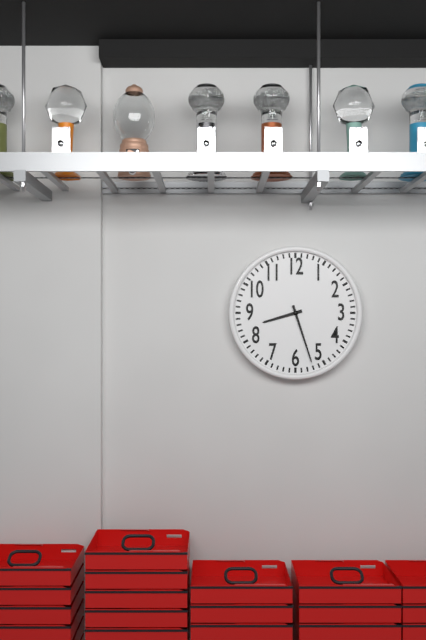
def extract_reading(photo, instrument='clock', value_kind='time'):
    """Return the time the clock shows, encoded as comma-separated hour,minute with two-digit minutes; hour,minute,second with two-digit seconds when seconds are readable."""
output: 8,27
